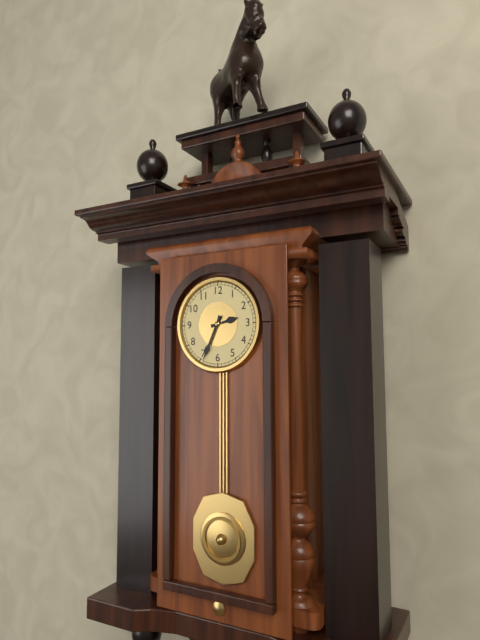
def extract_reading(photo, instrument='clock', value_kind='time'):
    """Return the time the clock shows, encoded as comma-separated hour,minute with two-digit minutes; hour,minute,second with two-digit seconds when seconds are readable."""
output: 2,34
